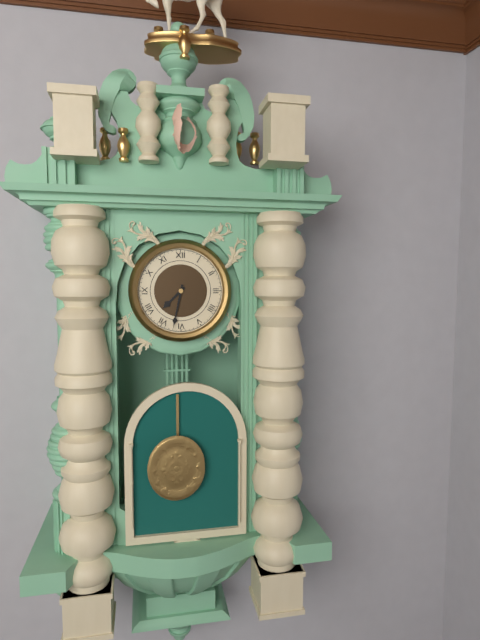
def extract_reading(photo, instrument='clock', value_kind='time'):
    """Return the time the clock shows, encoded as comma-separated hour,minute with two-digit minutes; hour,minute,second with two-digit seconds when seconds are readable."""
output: 7,32
